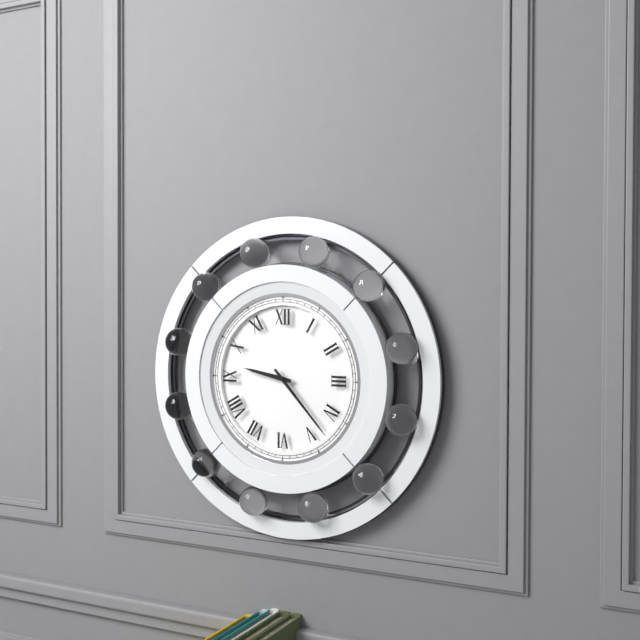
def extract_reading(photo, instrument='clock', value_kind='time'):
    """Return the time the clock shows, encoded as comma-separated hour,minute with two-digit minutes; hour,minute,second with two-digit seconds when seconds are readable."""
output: 9,23
